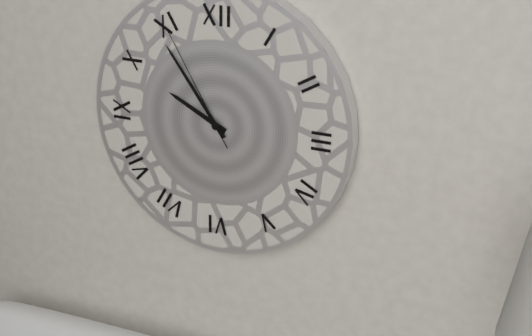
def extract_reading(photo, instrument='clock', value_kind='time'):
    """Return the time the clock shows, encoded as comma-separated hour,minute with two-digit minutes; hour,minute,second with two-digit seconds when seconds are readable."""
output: 9,54,55
